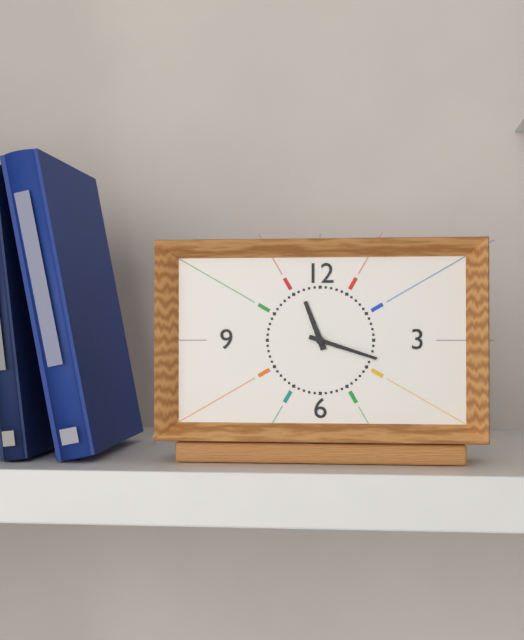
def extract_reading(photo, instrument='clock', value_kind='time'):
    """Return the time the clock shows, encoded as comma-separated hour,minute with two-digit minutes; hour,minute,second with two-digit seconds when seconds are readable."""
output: 11,18
